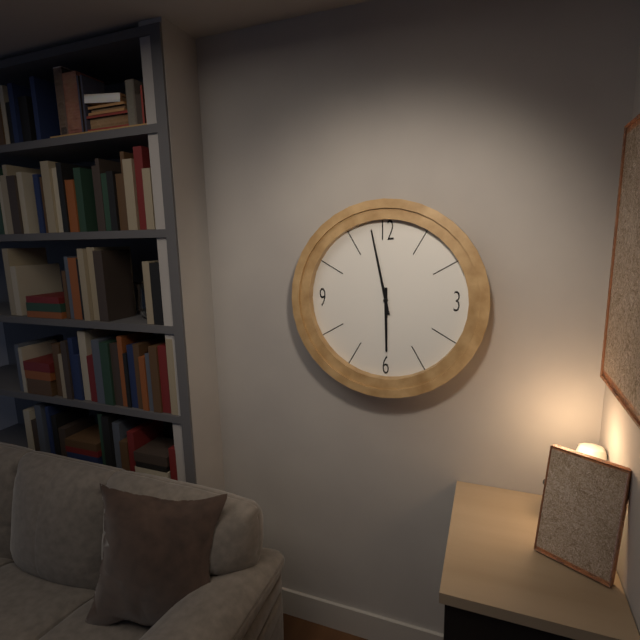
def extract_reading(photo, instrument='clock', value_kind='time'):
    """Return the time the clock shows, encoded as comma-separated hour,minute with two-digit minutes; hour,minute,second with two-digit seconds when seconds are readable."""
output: 5,58
